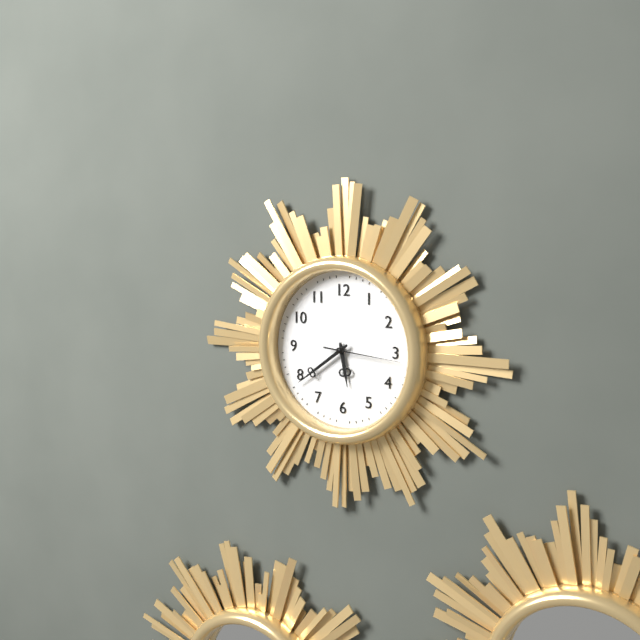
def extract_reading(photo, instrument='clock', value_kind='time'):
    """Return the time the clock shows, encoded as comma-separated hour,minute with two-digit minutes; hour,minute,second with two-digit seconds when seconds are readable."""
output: 5,39,16
